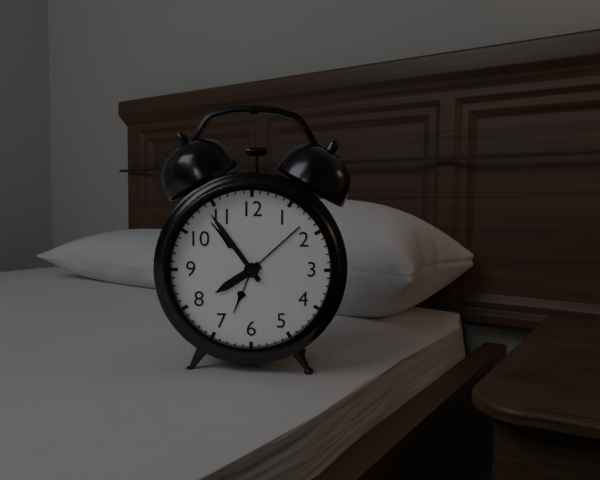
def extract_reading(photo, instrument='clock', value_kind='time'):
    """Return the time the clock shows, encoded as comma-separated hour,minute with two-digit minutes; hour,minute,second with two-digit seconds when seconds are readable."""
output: 7,54
